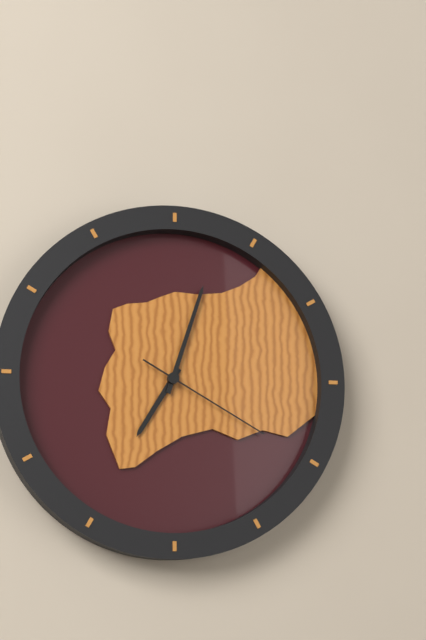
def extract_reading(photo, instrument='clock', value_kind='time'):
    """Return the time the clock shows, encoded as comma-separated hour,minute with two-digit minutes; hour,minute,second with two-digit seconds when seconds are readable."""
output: 7,03,20
